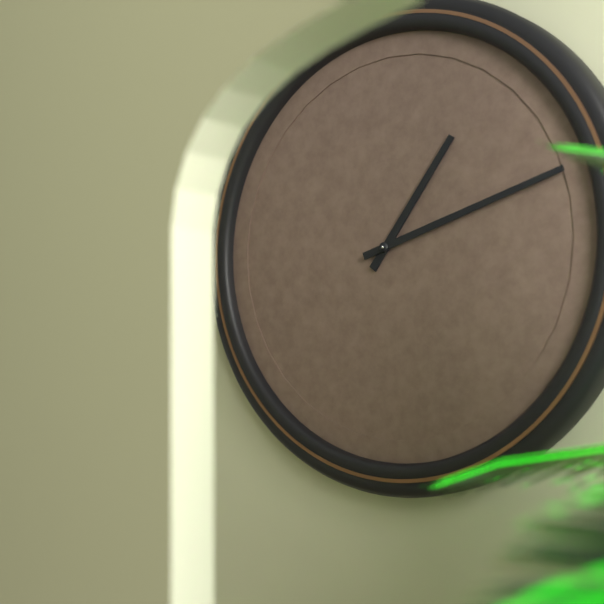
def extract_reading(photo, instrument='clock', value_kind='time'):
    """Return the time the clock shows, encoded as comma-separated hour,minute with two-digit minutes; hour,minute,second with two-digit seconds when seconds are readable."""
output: 1,12
